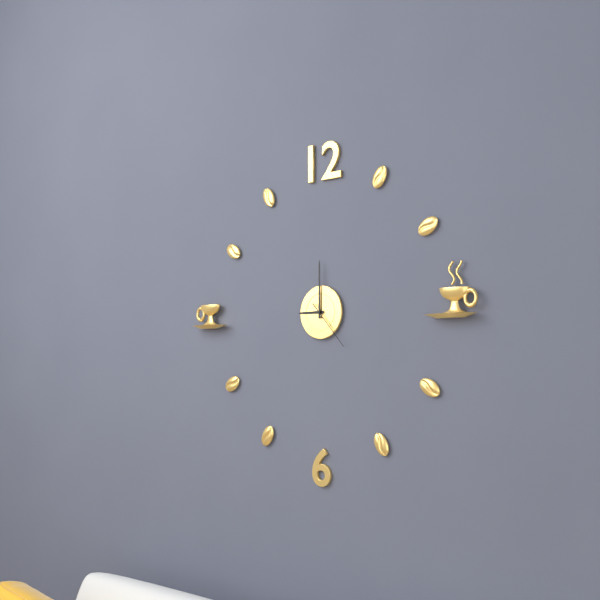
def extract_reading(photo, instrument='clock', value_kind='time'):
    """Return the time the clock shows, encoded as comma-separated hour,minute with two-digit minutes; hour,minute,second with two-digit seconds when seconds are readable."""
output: 9,00,23
